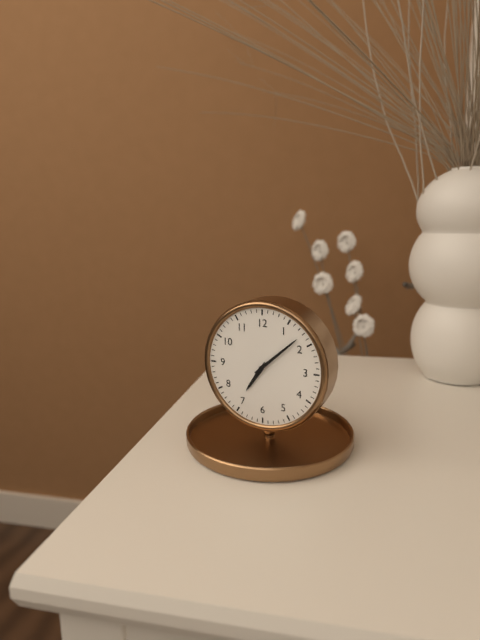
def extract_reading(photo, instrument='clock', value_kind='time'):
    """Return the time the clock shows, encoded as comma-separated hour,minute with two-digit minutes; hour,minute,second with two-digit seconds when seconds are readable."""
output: 7,08
